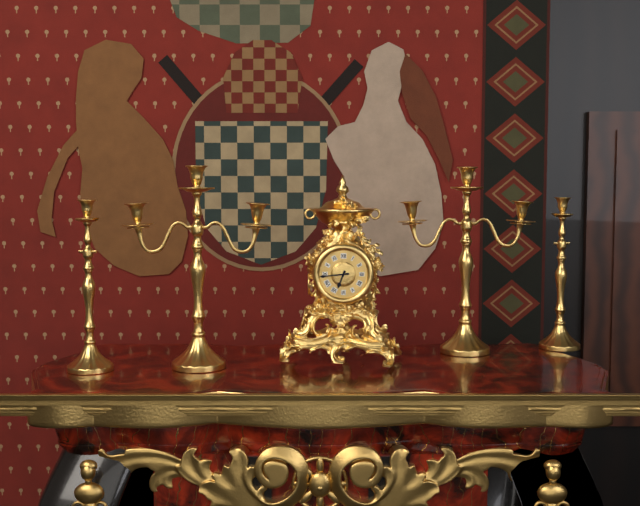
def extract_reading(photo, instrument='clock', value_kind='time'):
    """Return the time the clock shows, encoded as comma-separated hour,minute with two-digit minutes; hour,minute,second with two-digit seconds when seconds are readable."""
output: 6,44
